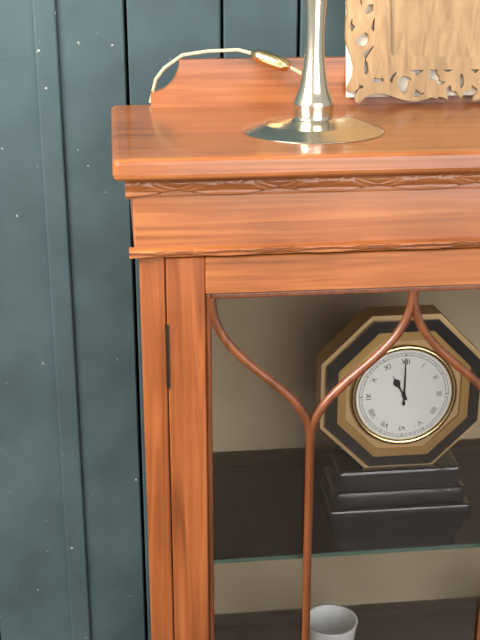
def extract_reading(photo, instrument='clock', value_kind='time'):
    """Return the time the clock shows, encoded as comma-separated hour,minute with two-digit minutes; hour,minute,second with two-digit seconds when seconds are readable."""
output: 11,00
